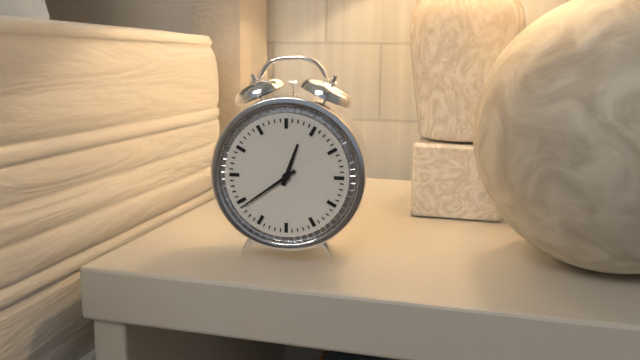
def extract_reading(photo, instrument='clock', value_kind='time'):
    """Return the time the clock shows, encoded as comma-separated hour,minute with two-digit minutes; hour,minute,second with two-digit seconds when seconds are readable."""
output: 12,39
